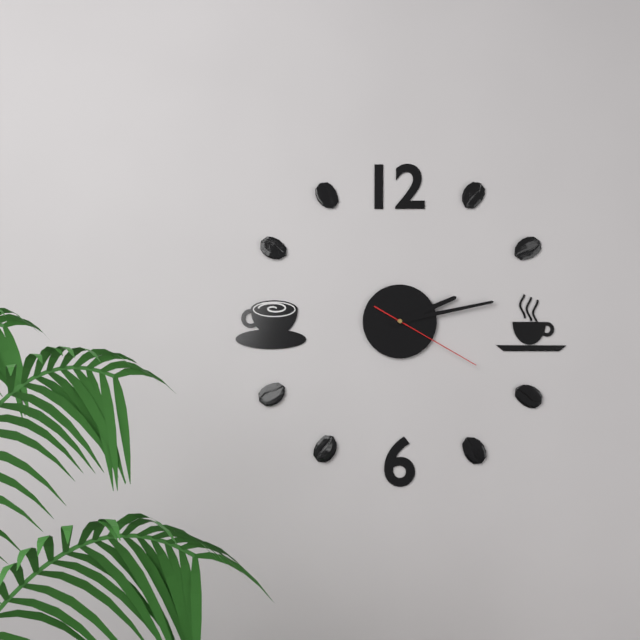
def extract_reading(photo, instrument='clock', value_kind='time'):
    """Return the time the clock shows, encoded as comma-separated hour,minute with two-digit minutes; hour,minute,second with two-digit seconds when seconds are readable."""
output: 2,13,20
